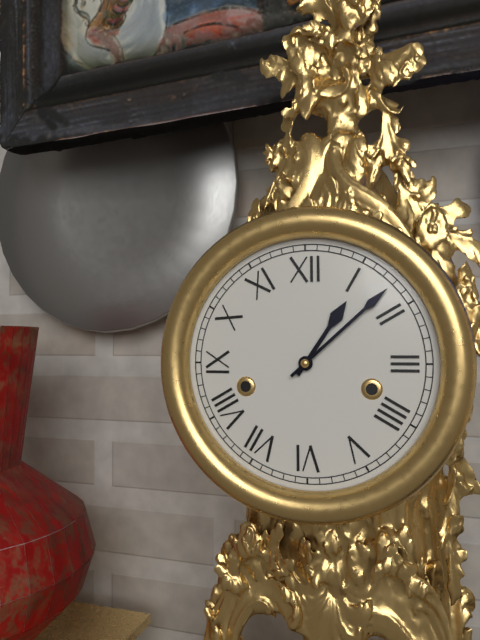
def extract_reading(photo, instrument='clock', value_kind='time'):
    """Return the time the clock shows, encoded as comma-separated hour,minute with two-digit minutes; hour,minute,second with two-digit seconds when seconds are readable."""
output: 1,08
